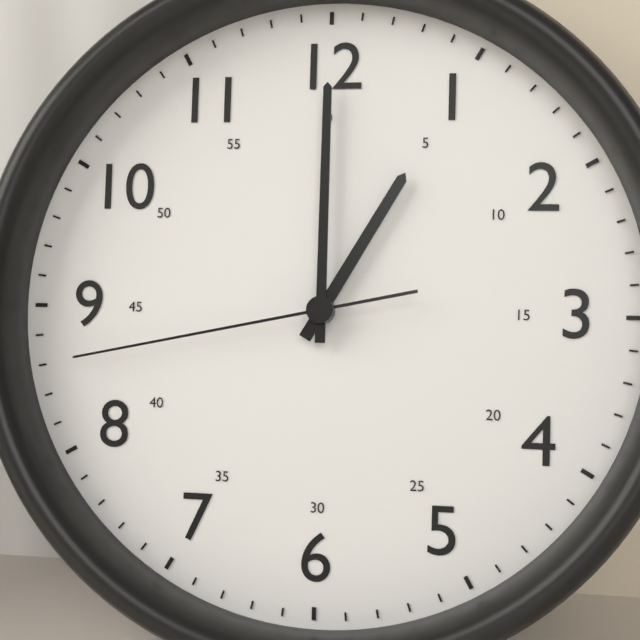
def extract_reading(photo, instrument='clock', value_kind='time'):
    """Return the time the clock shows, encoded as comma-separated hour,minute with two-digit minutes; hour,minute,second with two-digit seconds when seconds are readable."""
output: 1,00,43
